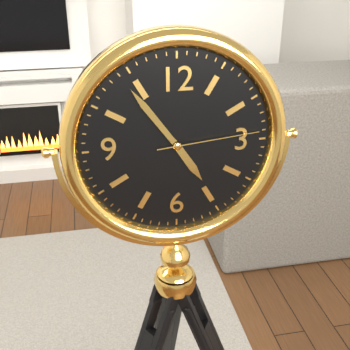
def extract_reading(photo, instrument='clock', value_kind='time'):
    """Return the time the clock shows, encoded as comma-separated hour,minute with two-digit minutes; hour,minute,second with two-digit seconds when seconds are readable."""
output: 4,54,14
